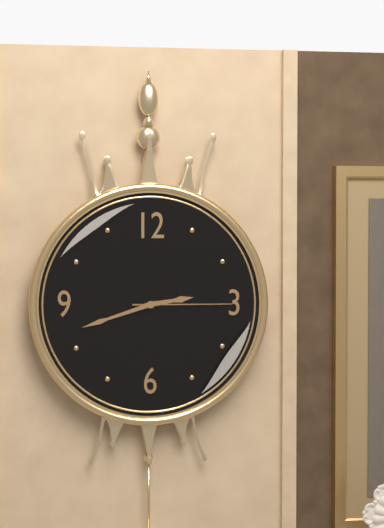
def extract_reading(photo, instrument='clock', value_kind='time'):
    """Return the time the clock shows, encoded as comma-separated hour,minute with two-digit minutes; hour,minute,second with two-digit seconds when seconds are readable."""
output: 2,42,15
